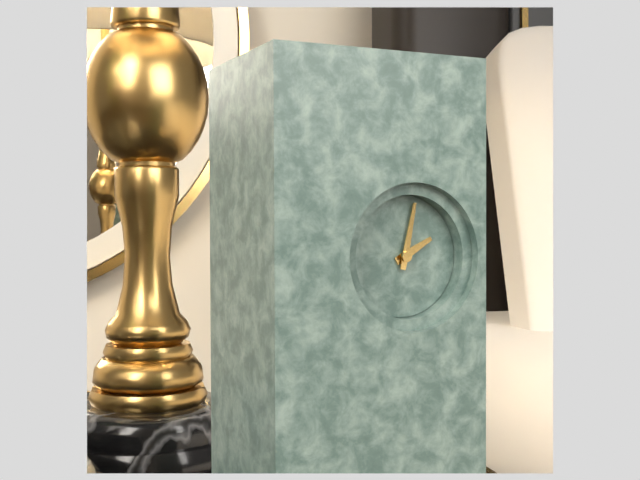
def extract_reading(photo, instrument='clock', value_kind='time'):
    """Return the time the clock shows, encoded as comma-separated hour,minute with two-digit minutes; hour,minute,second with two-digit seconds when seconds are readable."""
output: 2,02
